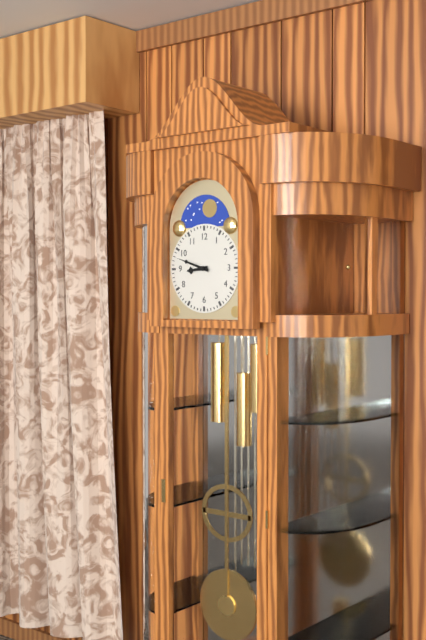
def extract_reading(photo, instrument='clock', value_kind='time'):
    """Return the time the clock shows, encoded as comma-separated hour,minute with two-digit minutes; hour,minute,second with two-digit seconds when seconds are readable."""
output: 8,48
